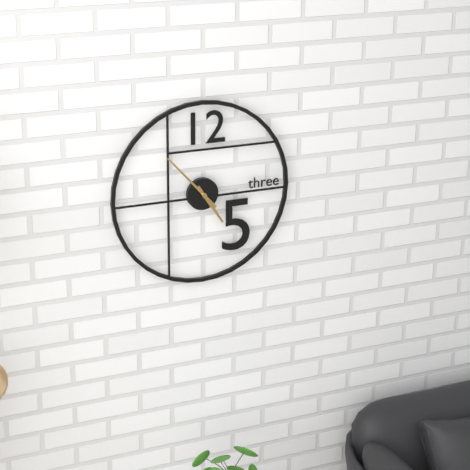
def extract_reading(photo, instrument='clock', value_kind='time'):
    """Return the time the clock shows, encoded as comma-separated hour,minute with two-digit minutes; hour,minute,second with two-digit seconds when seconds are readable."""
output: 4,53
